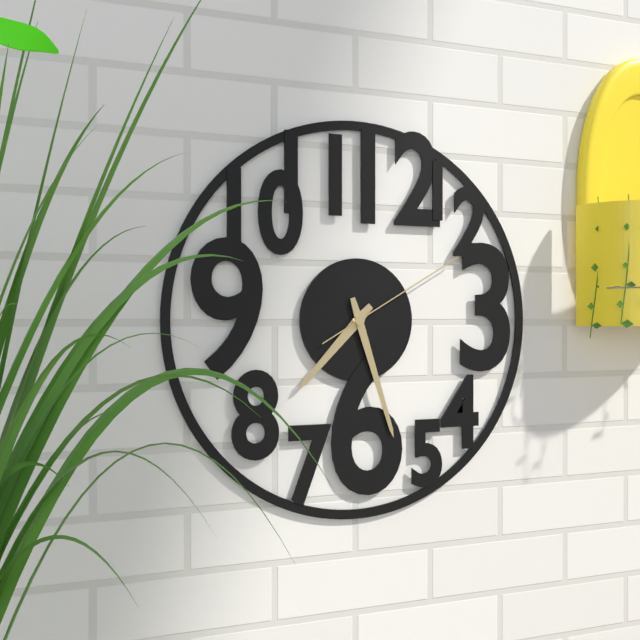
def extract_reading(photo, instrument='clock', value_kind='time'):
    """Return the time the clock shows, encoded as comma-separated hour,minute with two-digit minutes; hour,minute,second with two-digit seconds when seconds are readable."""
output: 7,27,10
